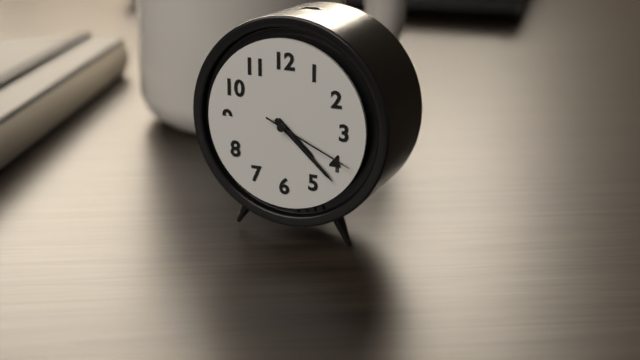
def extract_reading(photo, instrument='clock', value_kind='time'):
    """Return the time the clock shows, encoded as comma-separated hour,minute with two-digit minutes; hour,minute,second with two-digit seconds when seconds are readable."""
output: 4,22,19
